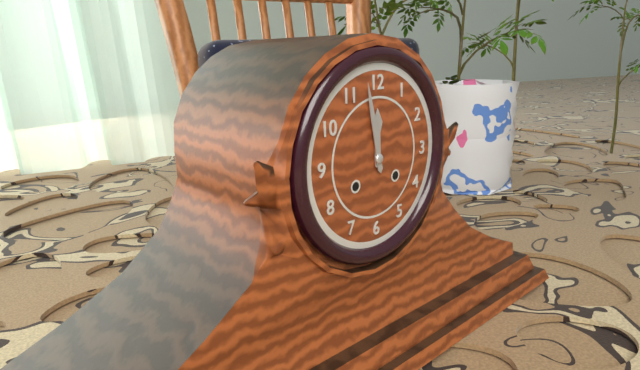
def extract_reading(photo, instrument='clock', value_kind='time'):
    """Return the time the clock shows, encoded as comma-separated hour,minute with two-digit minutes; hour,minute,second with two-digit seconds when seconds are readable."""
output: 11,58
